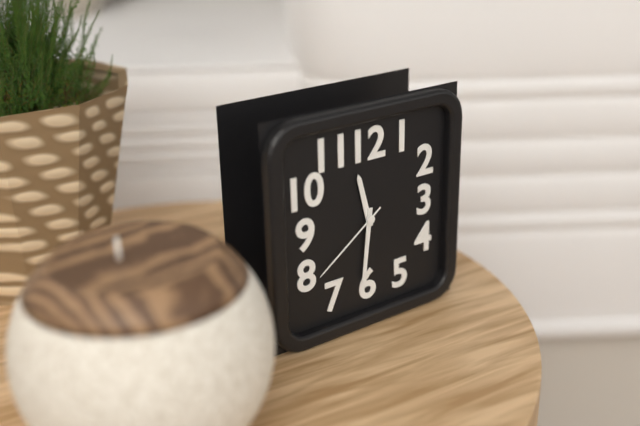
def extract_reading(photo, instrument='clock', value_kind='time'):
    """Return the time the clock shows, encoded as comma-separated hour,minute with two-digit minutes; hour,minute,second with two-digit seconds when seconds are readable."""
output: 11,31,39
